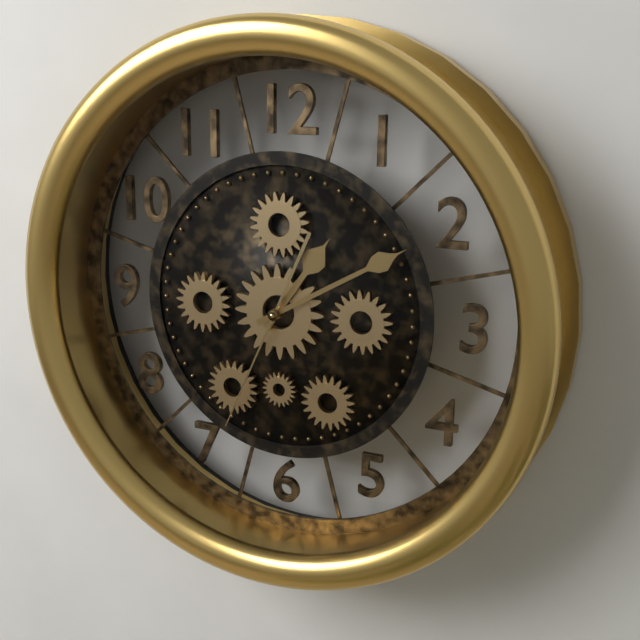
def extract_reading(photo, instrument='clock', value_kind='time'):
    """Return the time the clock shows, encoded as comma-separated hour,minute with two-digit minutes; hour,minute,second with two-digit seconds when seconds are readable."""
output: 1,10,34
